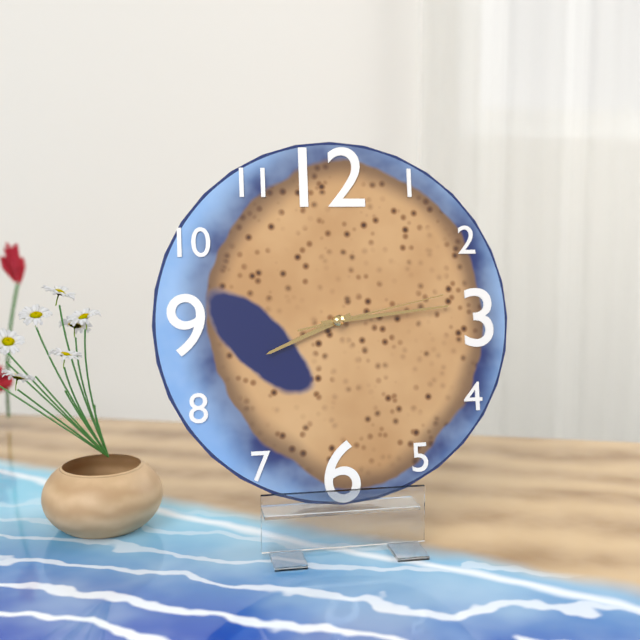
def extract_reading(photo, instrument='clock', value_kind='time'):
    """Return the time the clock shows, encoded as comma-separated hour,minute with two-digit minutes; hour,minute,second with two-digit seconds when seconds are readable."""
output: 8,14,13
